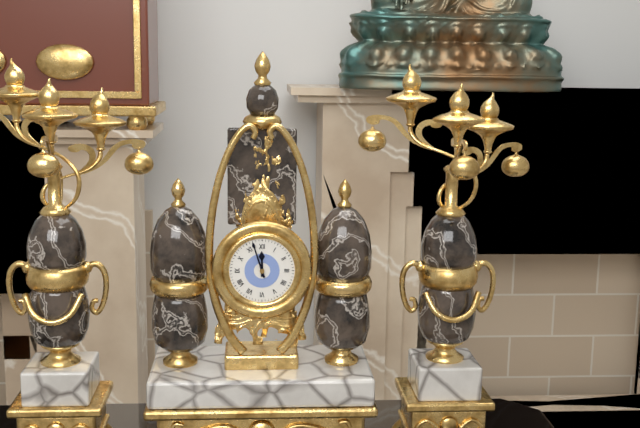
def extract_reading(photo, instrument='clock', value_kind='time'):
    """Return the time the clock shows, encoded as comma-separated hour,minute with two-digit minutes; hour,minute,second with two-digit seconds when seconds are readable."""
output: 11,57
